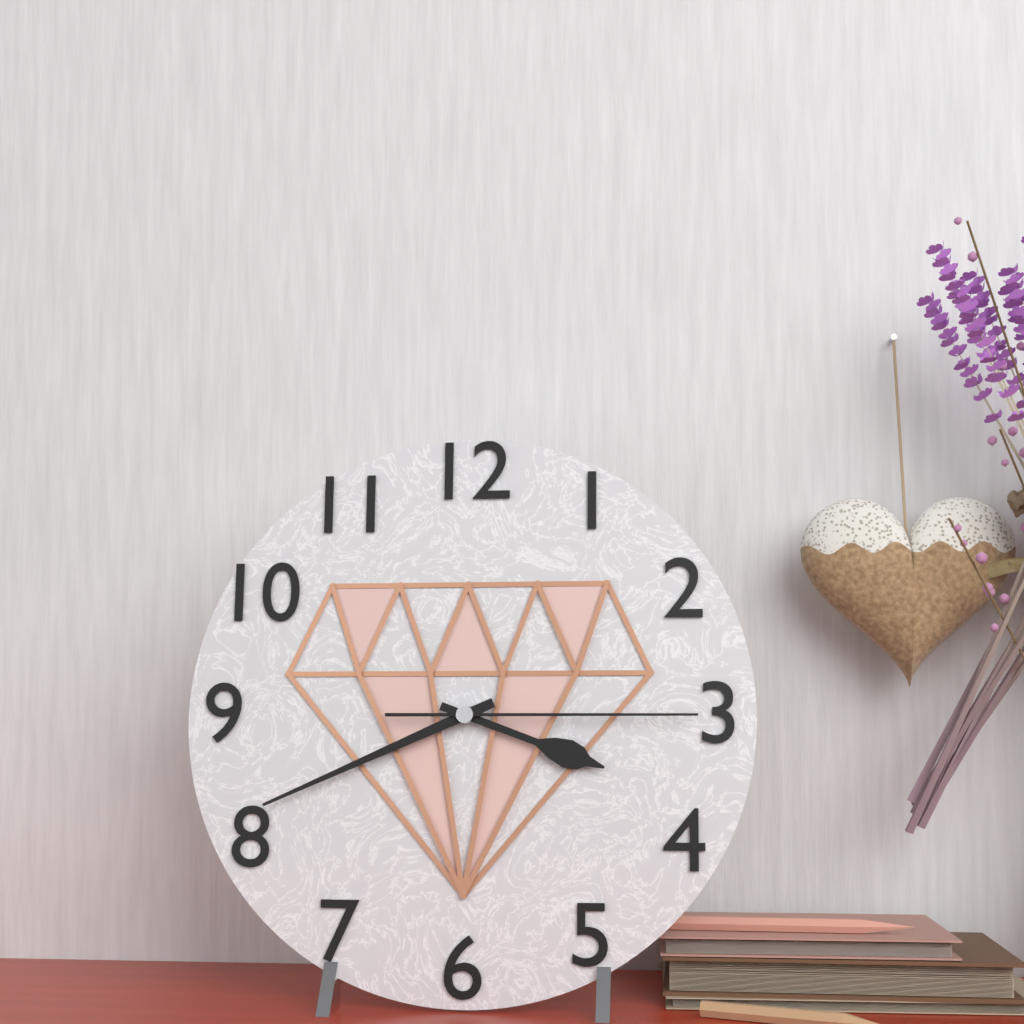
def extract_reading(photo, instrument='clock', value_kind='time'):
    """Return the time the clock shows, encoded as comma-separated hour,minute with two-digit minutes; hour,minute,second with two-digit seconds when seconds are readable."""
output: 3,41,15
